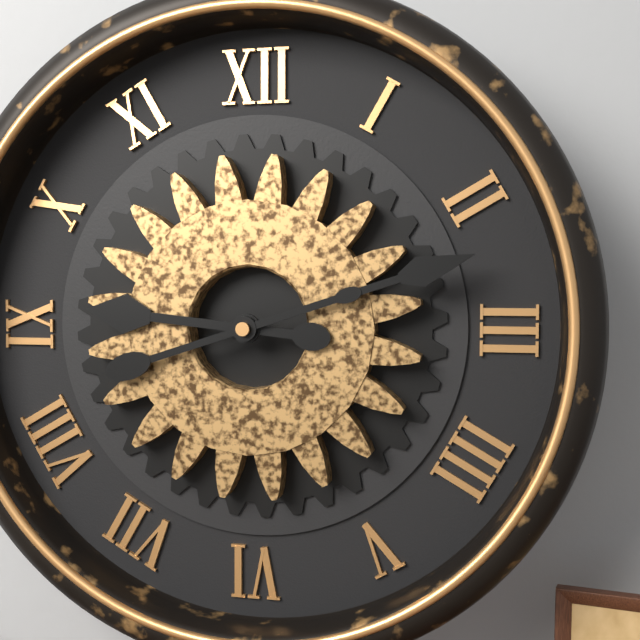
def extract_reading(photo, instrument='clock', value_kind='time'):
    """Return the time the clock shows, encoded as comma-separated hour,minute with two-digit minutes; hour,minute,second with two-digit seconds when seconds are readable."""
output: 9,12
